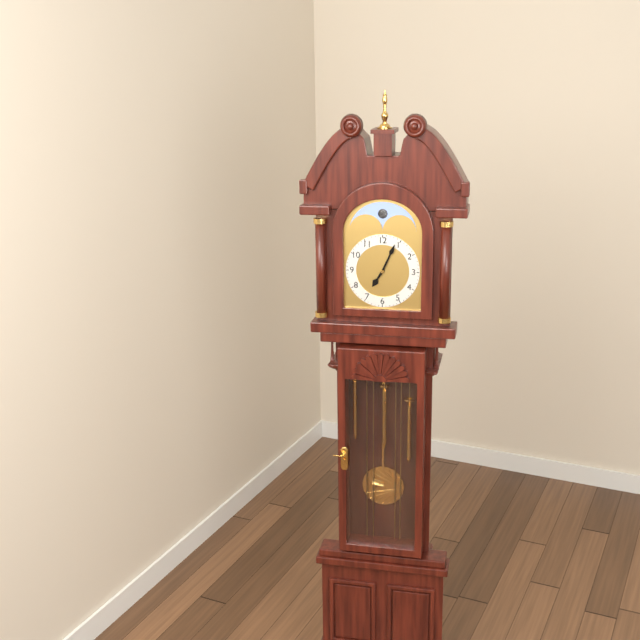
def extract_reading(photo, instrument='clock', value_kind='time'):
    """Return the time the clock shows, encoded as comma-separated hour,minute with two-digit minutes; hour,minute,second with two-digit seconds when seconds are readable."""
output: 7,04
